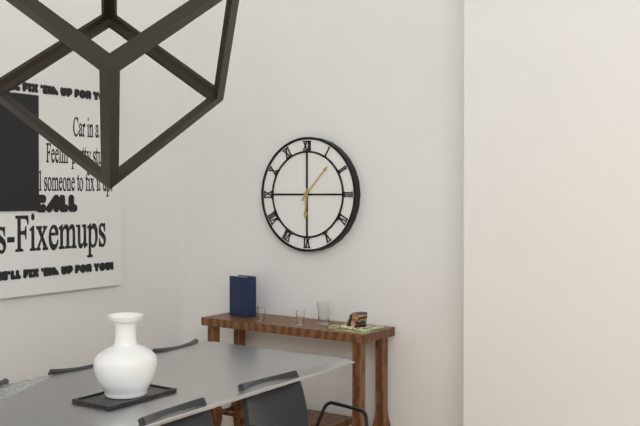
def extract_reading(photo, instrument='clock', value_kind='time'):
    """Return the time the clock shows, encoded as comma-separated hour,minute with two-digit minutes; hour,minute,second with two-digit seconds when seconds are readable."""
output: 6,07
